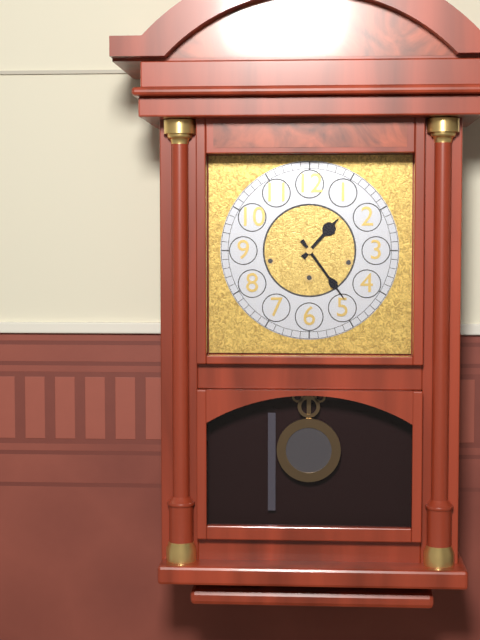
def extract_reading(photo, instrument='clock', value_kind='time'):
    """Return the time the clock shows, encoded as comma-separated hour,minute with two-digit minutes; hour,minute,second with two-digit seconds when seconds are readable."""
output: 1,24
